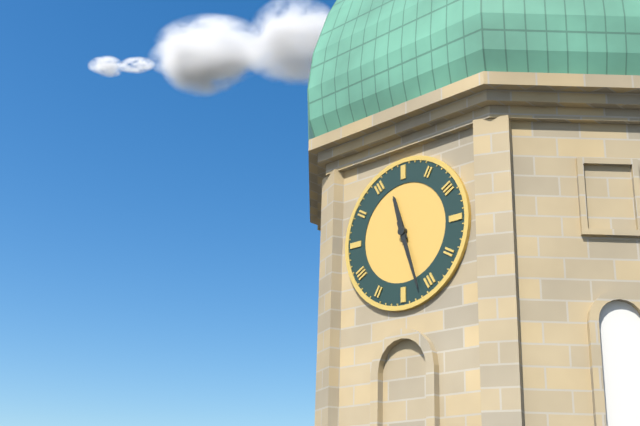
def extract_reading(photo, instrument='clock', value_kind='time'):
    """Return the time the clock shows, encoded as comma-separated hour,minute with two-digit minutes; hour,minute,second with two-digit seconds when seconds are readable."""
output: 11,27
